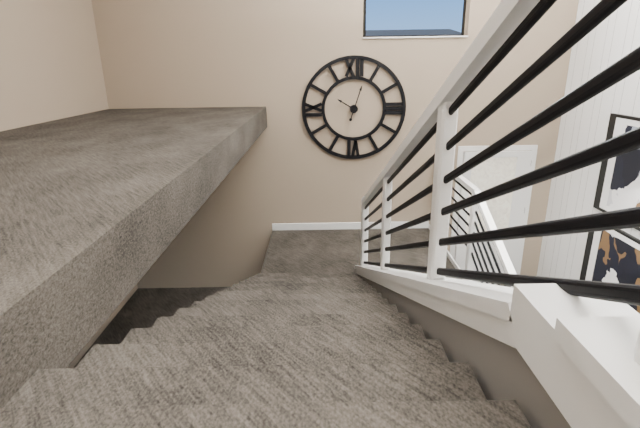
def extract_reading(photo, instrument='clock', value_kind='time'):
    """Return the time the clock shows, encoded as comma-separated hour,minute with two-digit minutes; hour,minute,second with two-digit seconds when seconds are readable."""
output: 10,03
